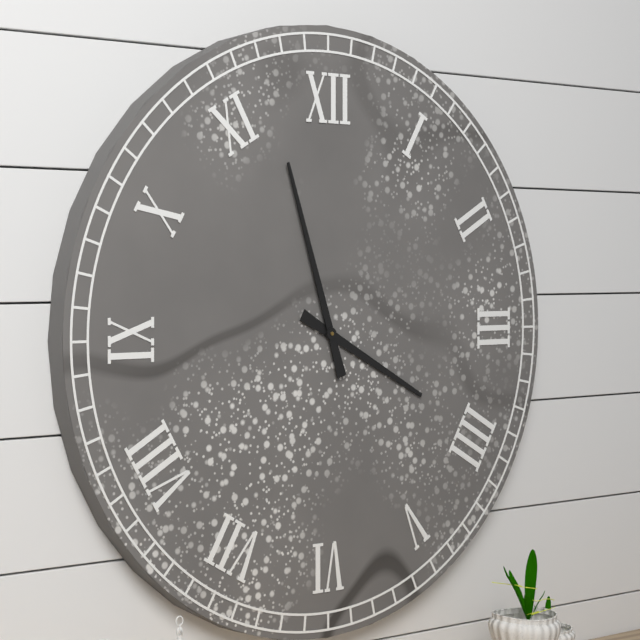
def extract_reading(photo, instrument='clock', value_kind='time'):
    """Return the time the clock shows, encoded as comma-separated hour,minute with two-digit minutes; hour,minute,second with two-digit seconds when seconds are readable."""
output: 3,57
